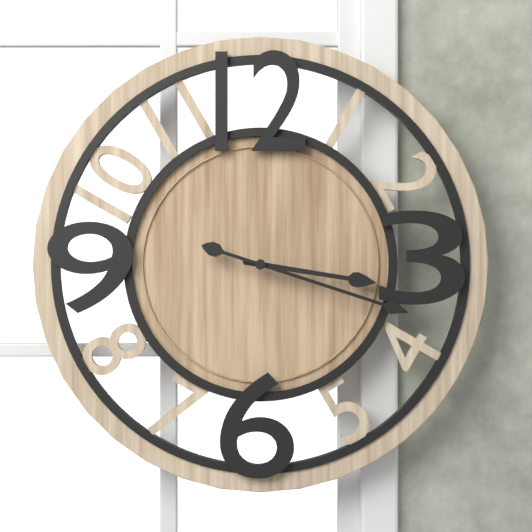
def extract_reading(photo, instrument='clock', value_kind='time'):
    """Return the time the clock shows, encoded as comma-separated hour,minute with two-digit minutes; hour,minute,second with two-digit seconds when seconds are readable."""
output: 3,18
